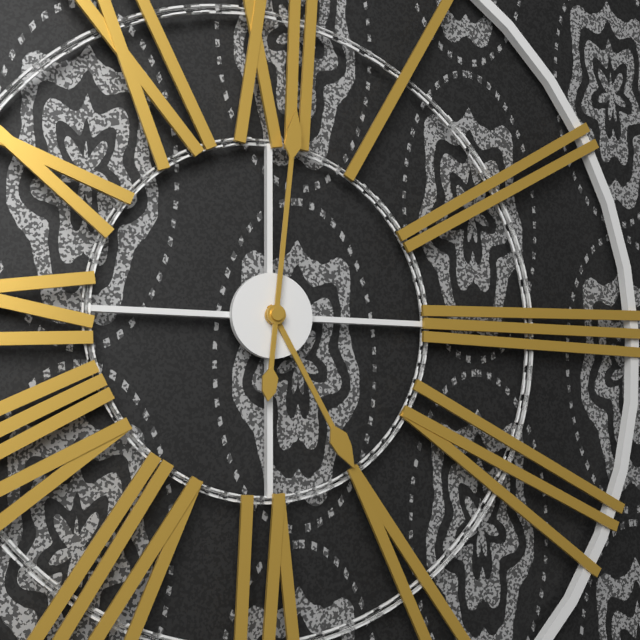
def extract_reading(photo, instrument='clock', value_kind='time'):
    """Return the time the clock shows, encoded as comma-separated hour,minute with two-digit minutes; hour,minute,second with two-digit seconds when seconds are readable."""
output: 5,01
